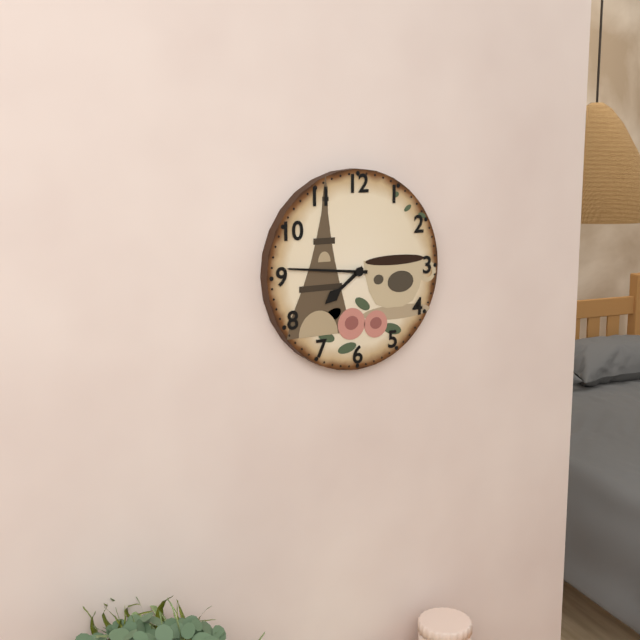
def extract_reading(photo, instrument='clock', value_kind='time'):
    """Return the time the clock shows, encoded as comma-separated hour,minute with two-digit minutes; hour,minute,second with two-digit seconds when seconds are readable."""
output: 7,46
